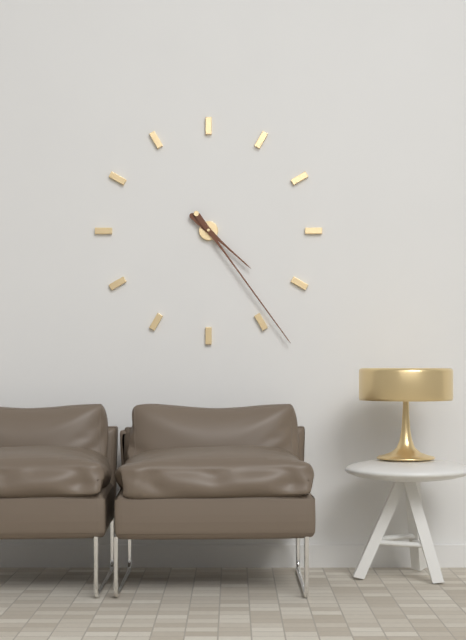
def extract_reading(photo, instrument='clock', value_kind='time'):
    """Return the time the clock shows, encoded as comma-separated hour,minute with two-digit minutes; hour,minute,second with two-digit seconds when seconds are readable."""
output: 4,24
